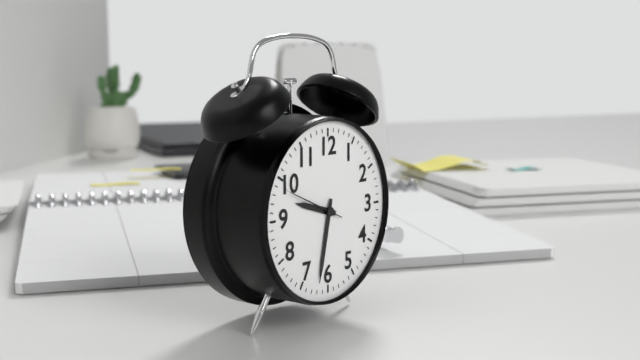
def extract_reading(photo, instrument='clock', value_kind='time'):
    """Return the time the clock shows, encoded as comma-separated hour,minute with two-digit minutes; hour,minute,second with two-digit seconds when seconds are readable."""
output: 9,32,49
